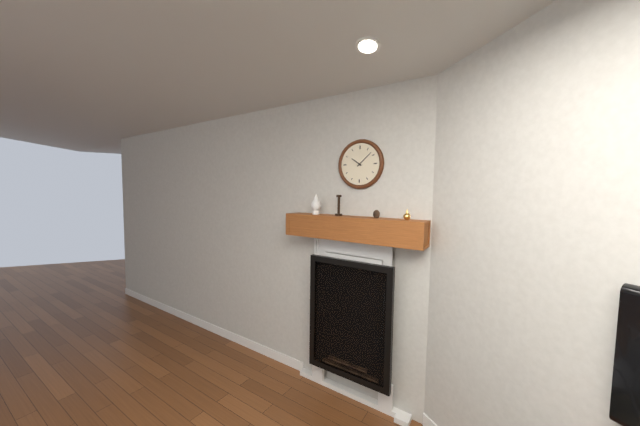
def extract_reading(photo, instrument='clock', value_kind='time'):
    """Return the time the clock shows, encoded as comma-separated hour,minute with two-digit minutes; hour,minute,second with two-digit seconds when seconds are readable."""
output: 10,08
